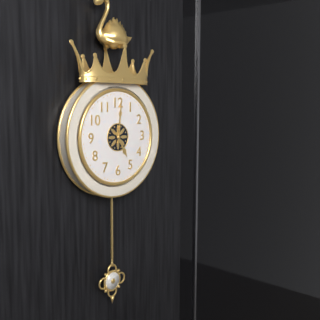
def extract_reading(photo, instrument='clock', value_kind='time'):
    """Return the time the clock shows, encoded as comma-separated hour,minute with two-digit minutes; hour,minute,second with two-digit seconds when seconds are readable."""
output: 5,01
